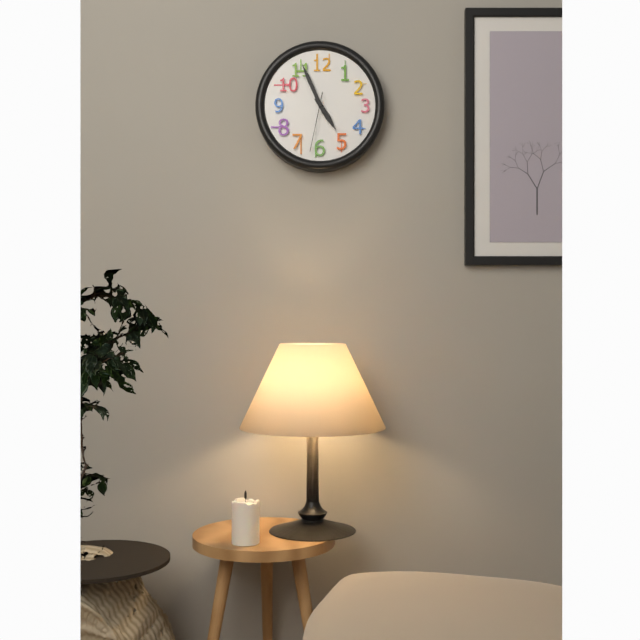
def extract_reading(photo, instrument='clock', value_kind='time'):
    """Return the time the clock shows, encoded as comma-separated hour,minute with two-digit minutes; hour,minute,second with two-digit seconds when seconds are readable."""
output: 4,56,32
